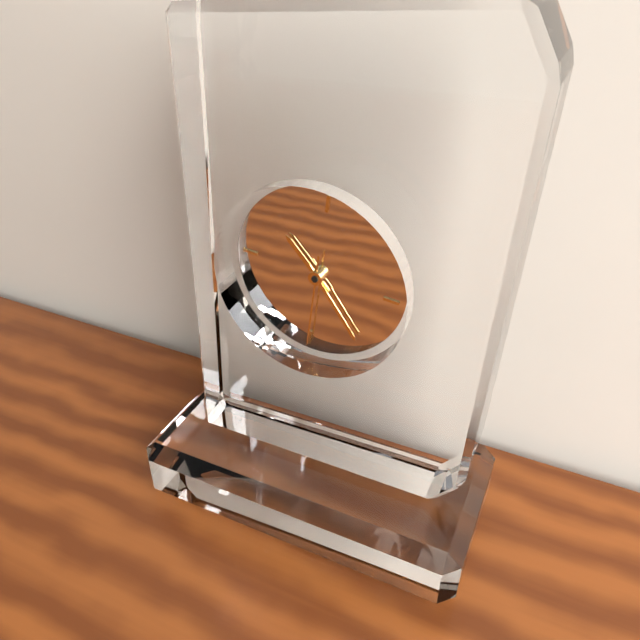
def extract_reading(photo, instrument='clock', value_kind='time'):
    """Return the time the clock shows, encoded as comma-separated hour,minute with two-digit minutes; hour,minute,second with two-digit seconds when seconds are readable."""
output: 10,23,30
